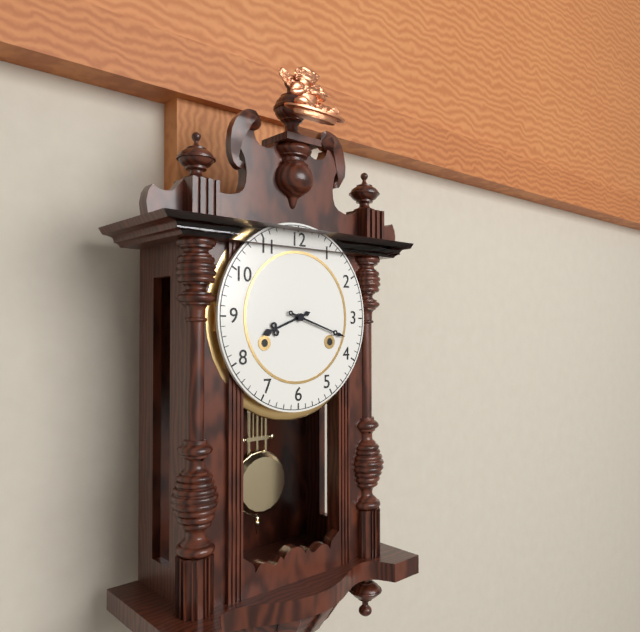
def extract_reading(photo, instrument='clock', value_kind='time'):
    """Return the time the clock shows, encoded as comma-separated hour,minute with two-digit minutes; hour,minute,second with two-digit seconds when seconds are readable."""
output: 8,18
